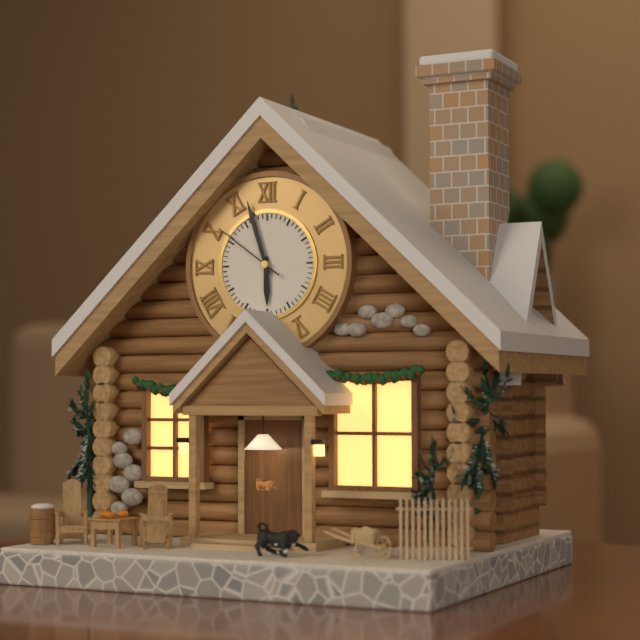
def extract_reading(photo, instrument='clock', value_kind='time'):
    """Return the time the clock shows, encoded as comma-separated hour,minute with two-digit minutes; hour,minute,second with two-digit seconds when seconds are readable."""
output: 5,57,51
